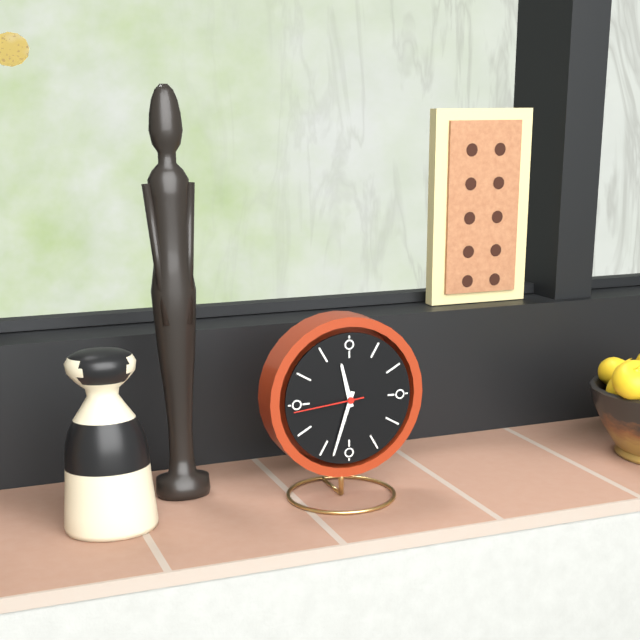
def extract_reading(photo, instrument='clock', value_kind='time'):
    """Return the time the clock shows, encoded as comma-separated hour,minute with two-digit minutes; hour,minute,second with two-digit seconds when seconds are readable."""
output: 11,33,44
